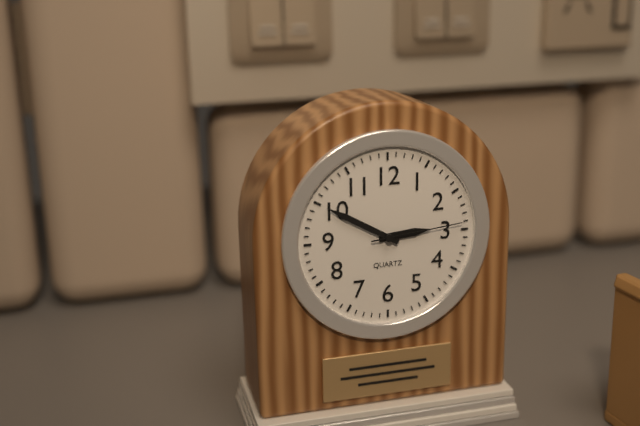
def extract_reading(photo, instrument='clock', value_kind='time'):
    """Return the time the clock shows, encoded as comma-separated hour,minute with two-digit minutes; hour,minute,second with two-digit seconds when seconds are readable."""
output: 2,50,14
